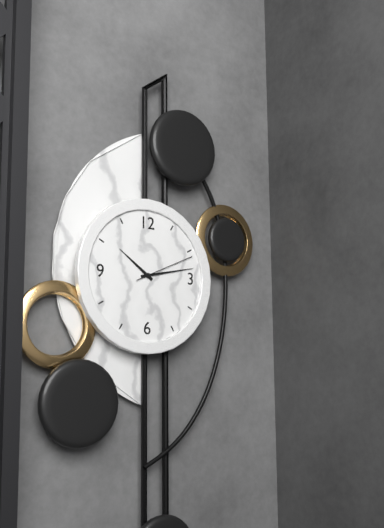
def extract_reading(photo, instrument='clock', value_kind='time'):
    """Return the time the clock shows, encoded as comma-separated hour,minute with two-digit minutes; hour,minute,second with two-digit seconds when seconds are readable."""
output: 10,13,11
